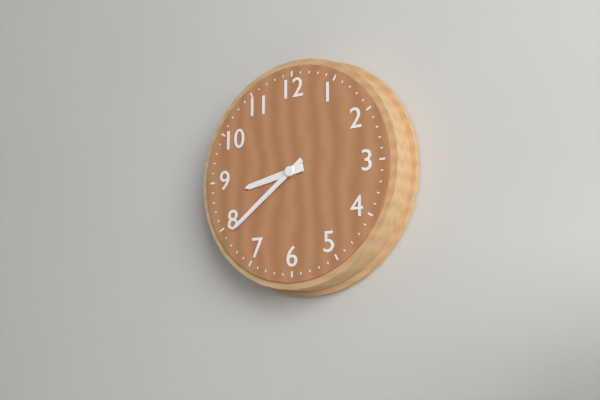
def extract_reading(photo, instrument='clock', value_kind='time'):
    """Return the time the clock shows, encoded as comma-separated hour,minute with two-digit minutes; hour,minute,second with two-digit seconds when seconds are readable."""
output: 8,39
